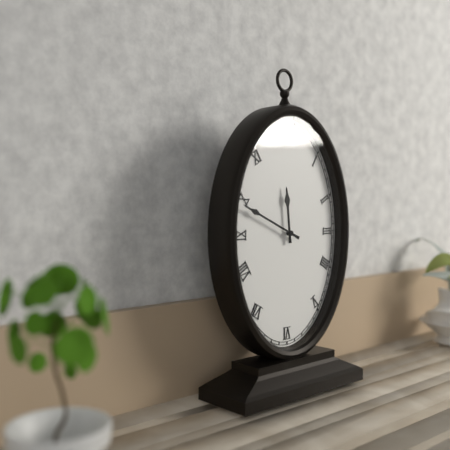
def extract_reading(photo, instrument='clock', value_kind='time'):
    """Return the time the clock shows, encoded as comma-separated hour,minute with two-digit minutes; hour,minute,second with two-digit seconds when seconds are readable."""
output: 11,49
